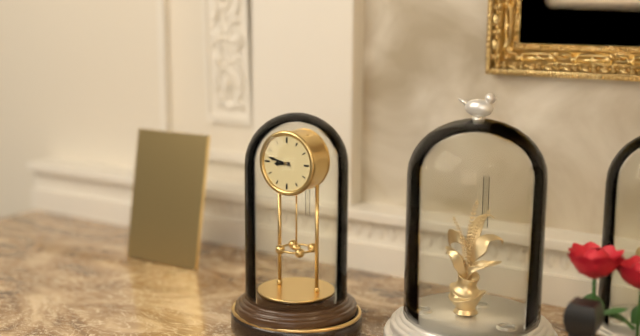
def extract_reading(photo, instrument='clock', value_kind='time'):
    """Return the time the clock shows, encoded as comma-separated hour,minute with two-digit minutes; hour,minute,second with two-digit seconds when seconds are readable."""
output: 8,47
